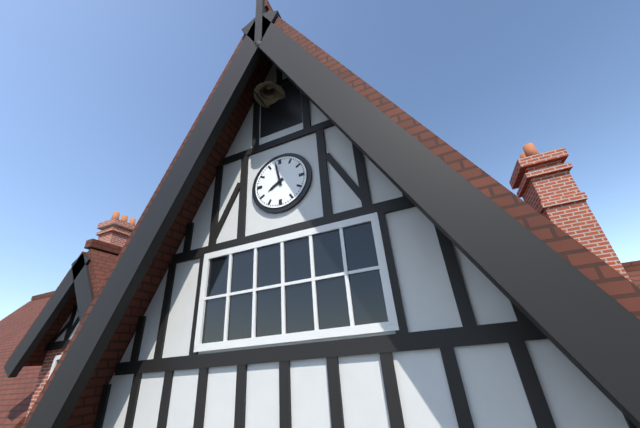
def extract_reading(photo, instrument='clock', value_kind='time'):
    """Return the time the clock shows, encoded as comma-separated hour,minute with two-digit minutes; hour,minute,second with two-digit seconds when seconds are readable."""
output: 7,58
